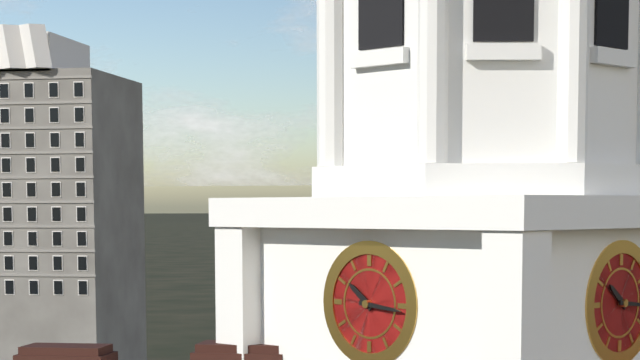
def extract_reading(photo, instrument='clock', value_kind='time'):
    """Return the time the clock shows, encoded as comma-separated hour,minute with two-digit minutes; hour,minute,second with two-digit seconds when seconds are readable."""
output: 10,16
